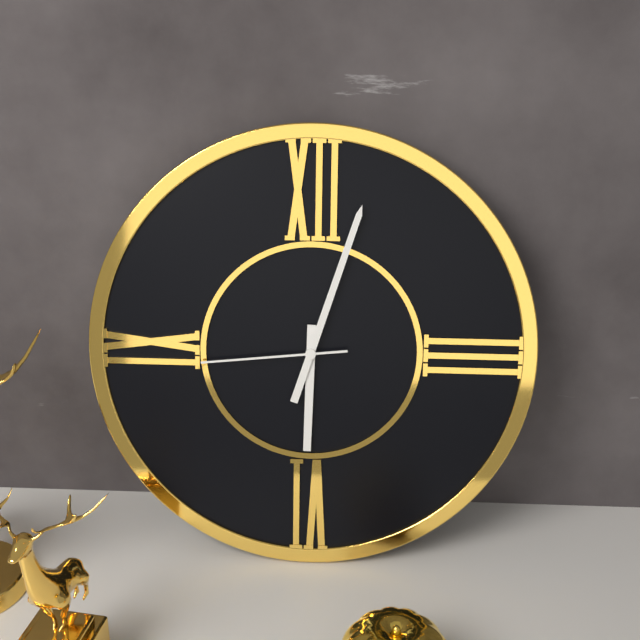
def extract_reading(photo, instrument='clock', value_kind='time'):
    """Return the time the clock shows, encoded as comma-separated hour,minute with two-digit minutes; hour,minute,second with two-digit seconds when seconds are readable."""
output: 6,03,44
